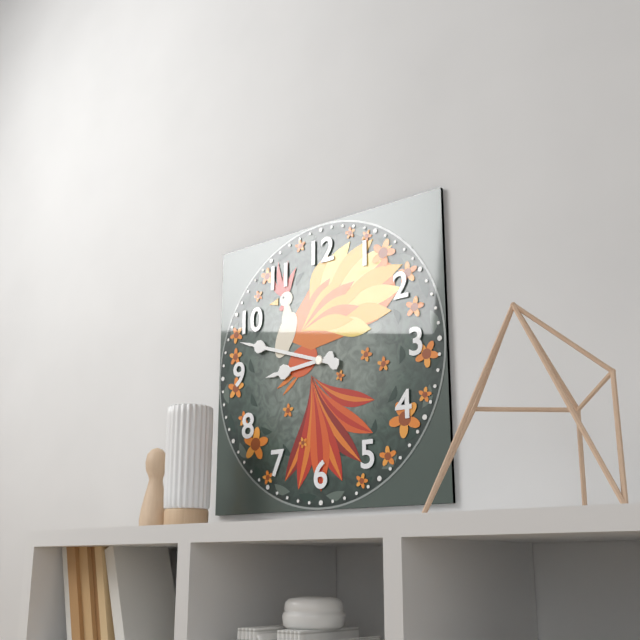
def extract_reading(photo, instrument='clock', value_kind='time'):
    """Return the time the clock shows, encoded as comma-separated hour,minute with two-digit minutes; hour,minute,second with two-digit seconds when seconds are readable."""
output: 8,48
